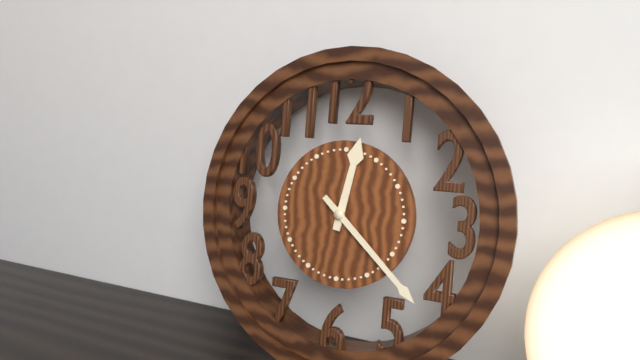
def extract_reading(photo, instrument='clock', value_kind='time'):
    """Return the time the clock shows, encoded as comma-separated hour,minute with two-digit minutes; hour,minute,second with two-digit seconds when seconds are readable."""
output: 12,22
